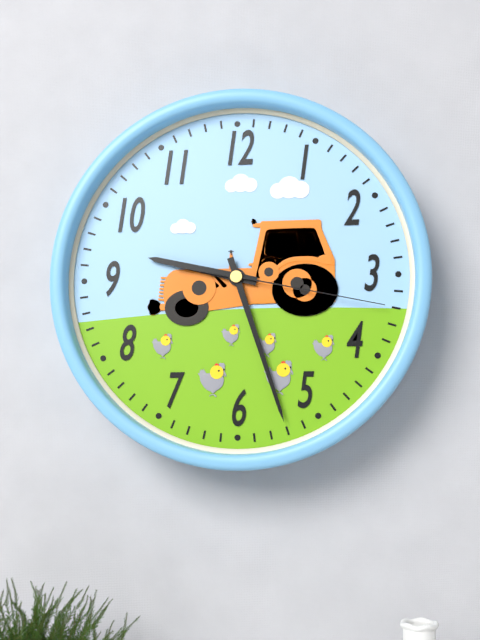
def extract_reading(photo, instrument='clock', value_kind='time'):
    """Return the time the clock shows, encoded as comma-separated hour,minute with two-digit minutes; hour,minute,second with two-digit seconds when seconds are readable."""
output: 9,27,17
